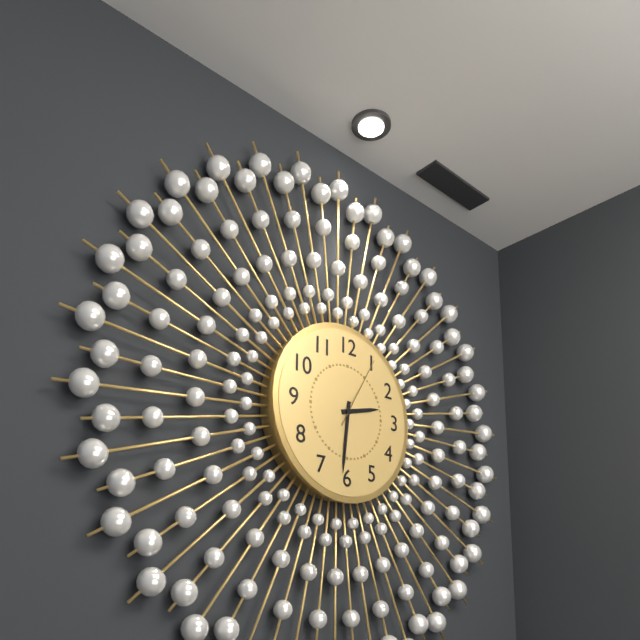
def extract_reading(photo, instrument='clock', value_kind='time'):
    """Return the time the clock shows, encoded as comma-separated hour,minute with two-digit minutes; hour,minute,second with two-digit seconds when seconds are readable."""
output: 2,31,05
